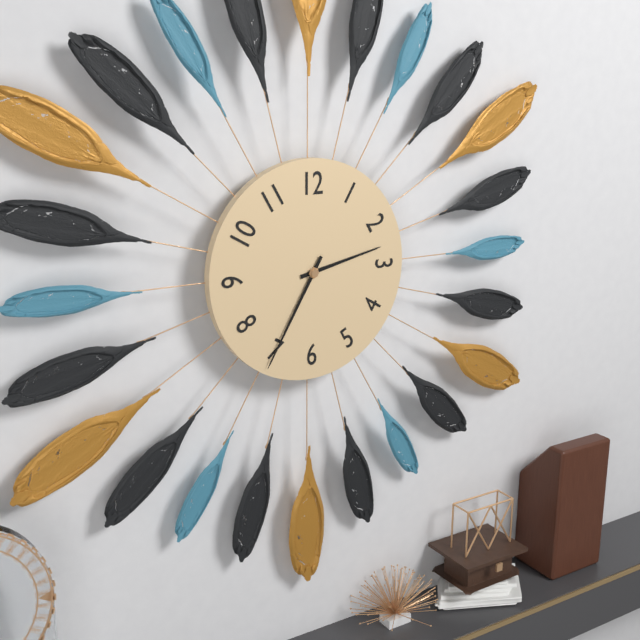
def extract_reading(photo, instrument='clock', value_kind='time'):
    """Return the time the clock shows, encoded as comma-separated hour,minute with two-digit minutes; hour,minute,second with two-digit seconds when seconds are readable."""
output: 2,35
